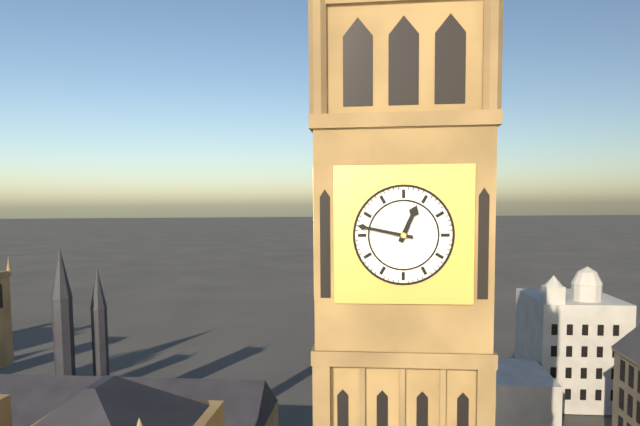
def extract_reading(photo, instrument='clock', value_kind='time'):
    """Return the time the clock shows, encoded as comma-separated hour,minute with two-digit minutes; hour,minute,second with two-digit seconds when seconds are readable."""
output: 12,47
